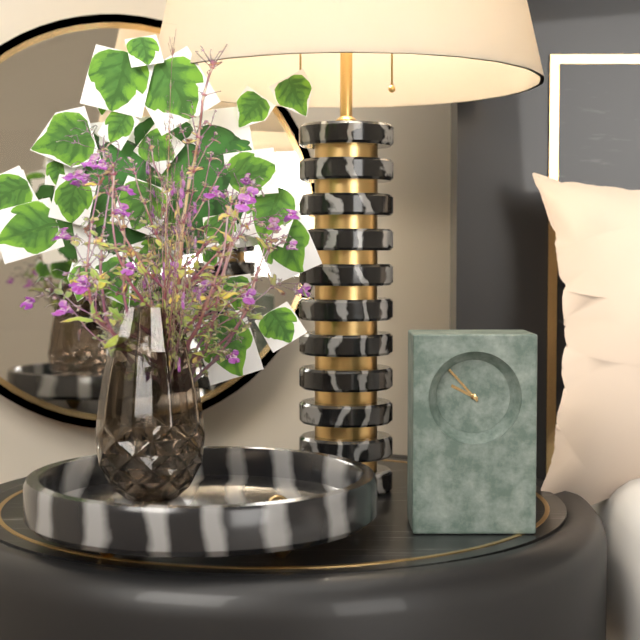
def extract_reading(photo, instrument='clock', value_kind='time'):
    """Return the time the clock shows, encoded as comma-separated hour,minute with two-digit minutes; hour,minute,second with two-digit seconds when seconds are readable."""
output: 9,53
